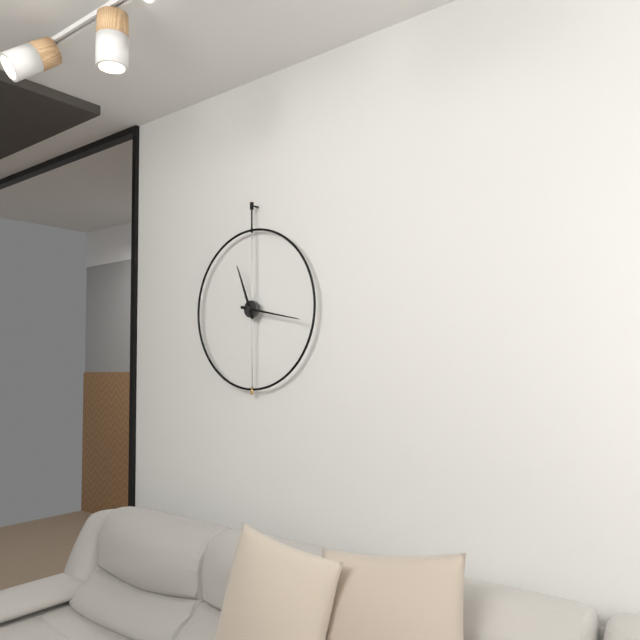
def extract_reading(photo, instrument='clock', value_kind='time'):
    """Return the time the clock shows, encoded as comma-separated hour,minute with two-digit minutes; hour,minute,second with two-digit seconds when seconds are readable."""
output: 11,17
